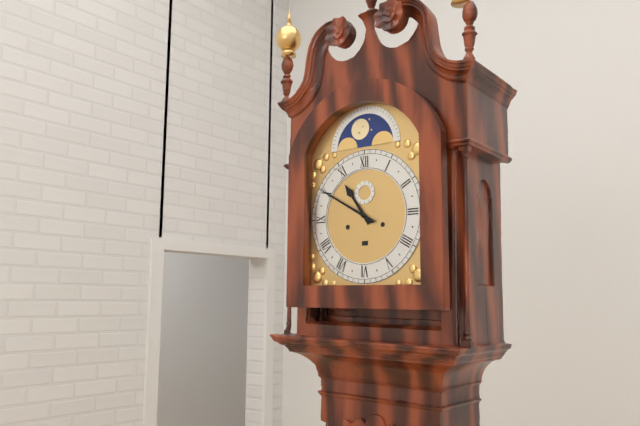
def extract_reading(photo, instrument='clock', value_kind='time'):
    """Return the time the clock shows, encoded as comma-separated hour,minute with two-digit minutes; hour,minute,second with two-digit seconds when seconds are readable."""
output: 10,50
